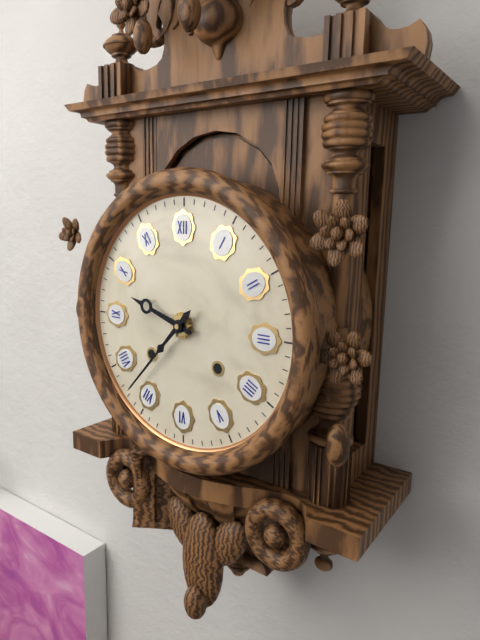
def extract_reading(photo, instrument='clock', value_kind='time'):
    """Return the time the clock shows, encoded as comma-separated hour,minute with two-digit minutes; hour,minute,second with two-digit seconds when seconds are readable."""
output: 9,37
